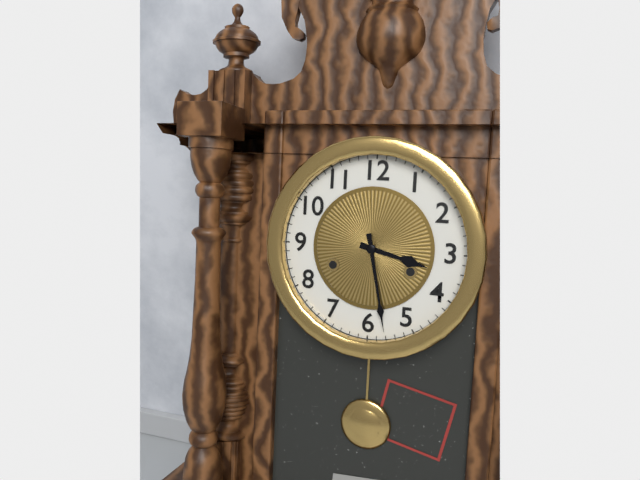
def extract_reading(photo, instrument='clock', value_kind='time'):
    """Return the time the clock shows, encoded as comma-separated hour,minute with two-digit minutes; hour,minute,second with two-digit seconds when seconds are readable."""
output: 3,28
